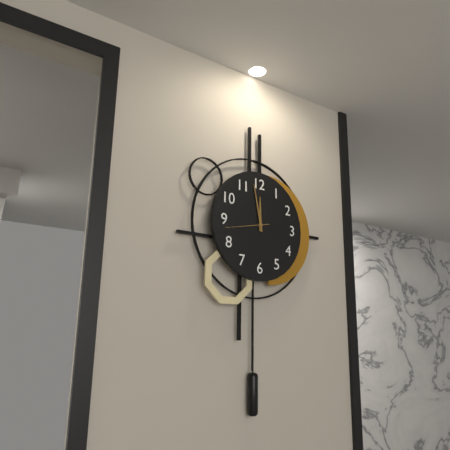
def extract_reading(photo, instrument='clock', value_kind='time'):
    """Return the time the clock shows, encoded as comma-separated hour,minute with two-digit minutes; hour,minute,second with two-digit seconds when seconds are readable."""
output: 11,58
